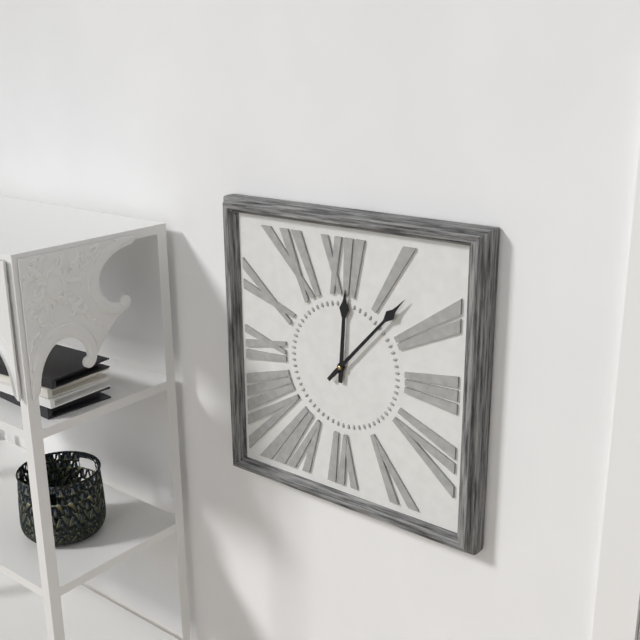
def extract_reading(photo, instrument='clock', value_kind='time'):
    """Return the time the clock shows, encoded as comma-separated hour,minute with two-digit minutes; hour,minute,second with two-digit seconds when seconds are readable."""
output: 12,07
